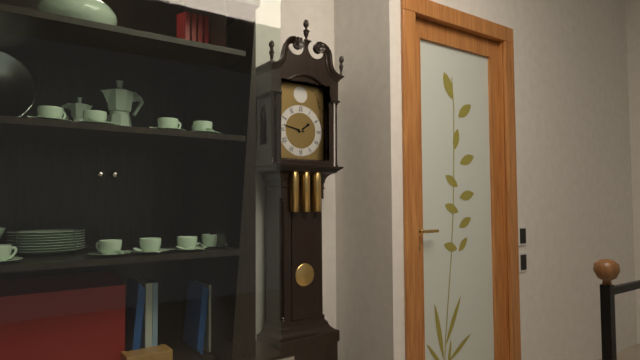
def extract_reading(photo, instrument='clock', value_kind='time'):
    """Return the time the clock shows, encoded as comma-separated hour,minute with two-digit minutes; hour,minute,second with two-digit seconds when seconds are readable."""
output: 1,47
